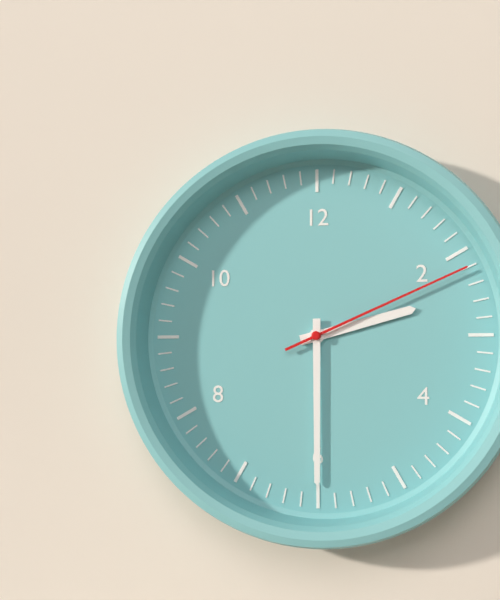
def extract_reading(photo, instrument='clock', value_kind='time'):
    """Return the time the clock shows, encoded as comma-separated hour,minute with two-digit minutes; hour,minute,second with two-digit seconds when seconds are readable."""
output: 2,30,11
